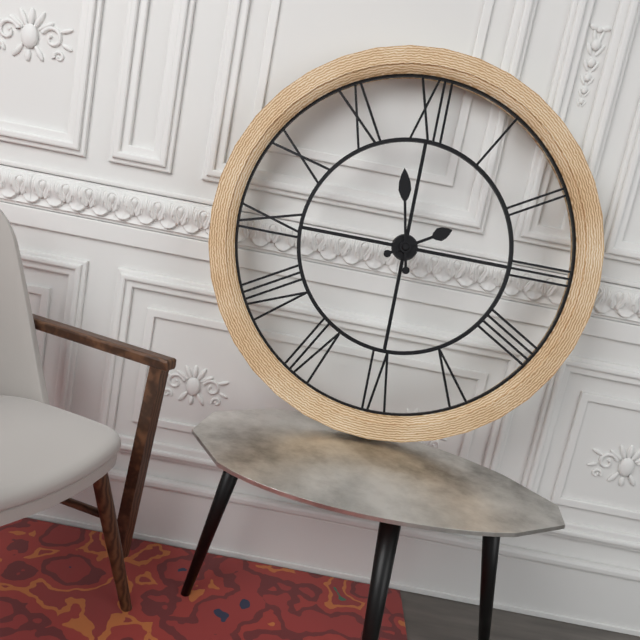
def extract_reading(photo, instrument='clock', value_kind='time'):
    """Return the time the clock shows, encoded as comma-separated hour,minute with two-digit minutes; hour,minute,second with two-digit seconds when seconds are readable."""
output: 1,58
